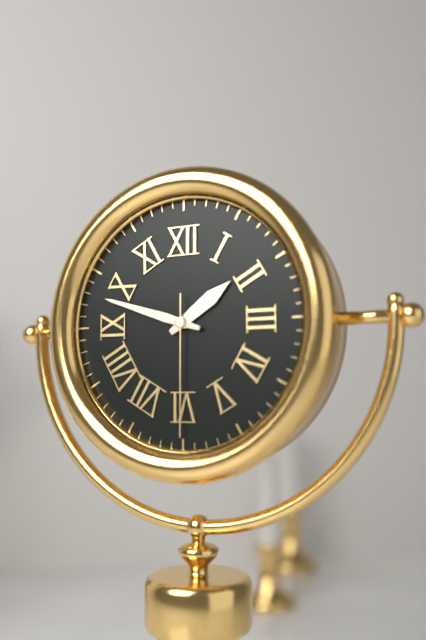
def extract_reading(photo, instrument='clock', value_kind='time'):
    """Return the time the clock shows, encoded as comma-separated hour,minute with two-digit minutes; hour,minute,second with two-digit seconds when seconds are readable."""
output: 1,48,30
